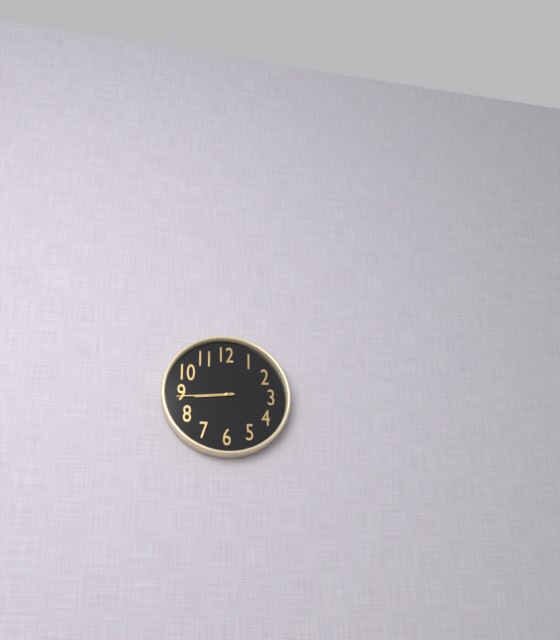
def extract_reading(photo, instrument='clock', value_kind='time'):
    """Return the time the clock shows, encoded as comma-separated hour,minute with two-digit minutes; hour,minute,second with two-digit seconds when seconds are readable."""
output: 8,44
